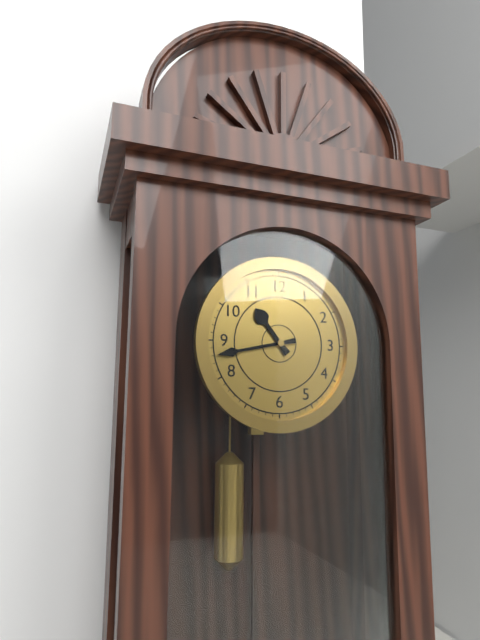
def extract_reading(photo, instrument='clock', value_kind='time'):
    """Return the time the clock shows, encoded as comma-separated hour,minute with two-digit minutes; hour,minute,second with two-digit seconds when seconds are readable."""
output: 10,43
